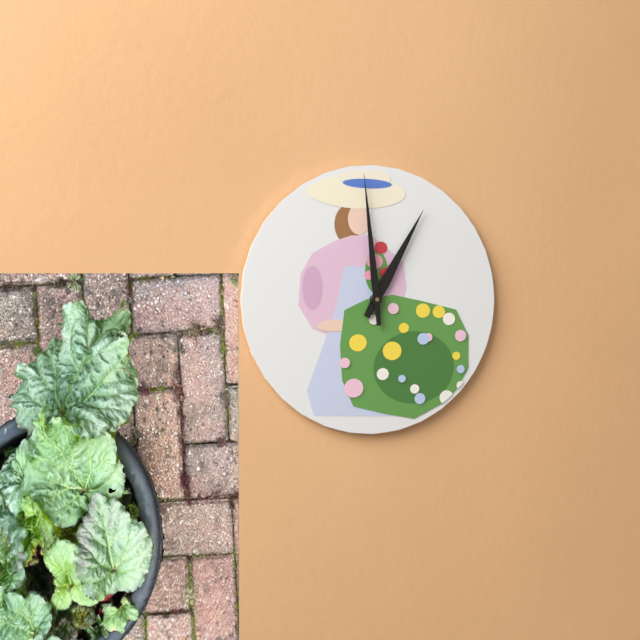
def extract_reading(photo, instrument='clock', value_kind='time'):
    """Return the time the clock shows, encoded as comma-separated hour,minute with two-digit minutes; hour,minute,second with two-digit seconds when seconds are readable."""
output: 12,59
